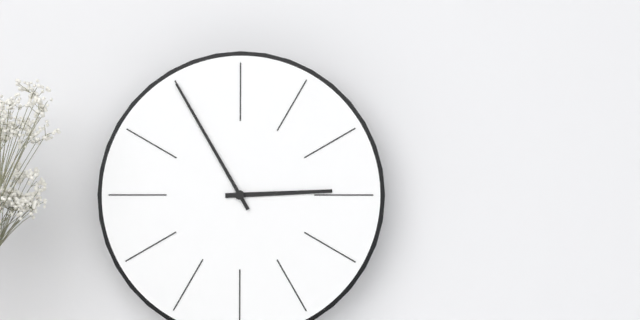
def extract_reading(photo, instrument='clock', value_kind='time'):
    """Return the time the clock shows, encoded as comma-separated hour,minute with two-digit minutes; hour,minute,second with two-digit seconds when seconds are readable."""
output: 2,55
